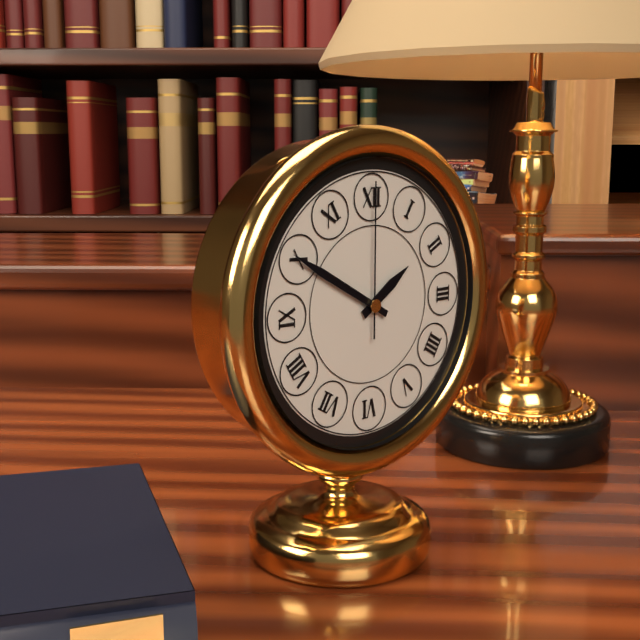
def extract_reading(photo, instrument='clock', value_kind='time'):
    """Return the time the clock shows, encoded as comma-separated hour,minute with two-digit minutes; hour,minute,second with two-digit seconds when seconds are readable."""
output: 1,50,00
